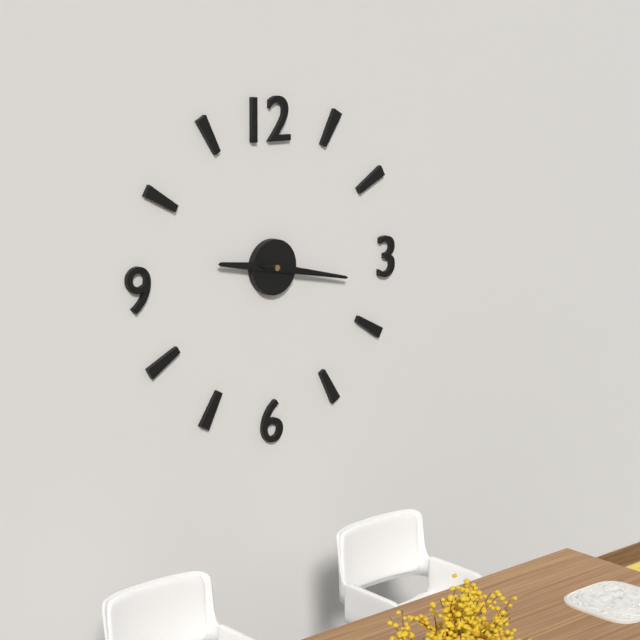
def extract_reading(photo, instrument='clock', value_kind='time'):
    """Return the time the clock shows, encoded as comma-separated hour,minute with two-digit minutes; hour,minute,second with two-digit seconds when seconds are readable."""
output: 9,17,17
